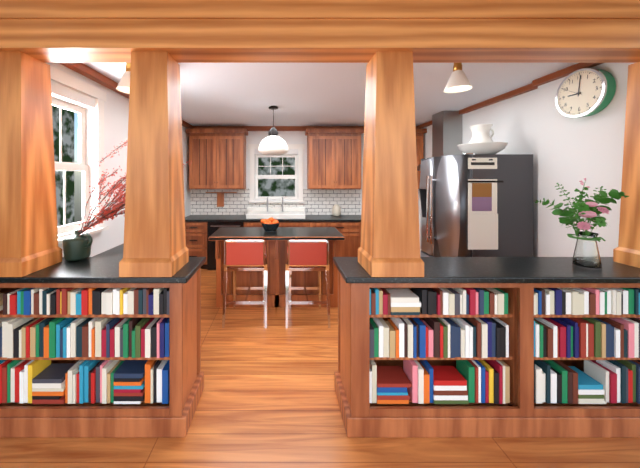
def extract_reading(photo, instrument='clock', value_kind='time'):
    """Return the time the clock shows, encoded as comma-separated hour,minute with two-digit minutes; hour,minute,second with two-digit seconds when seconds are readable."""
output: 9,01
